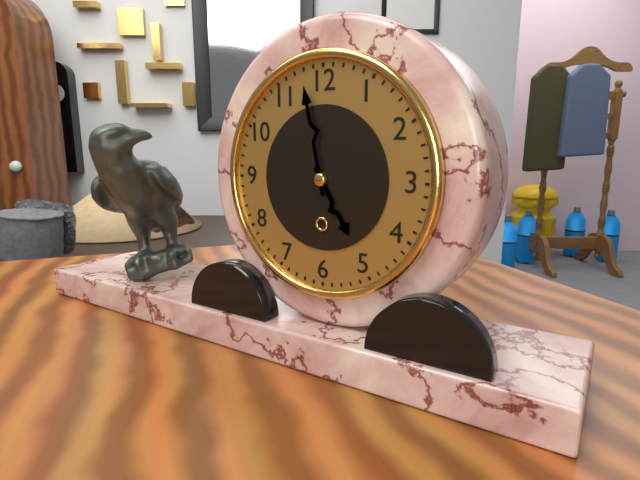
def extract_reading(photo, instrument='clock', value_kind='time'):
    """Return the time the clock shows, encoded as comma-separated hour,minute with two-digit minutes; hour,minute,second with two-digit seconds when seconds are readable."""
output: 4,58
